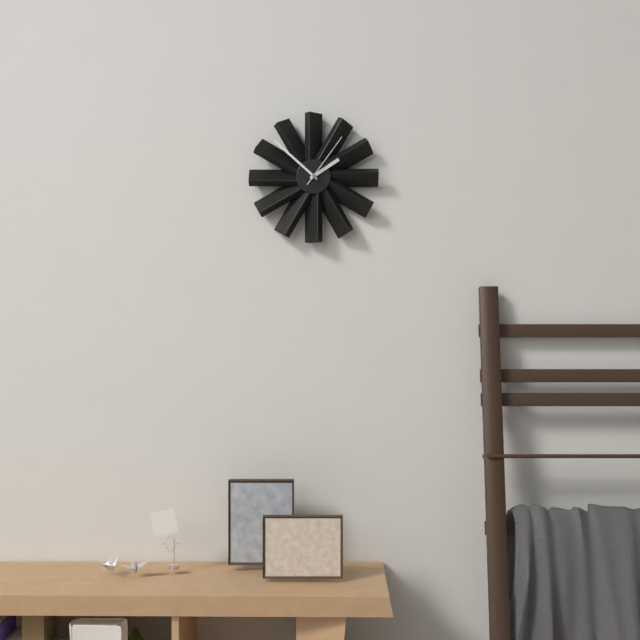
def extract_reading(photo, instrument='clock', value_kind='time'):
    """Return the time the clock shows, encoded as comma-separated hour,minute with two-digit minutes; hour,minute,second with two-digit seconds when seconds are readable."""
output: 1,52,06
